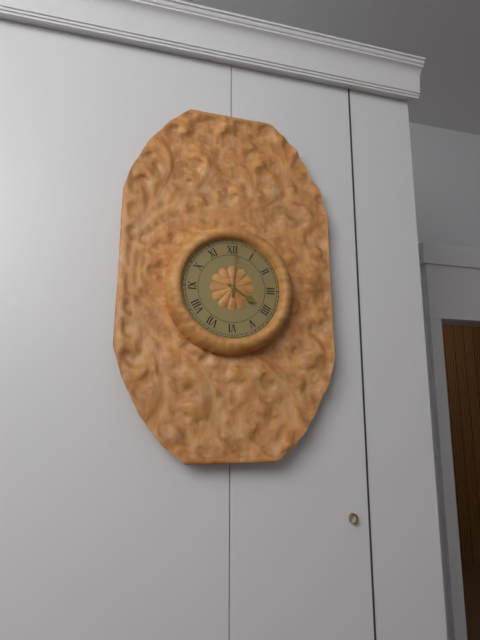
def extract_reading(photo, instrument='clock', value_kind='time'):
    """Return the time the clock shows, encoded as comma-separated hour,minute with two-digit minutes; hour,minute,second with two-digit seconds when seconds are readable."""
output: 4,01
